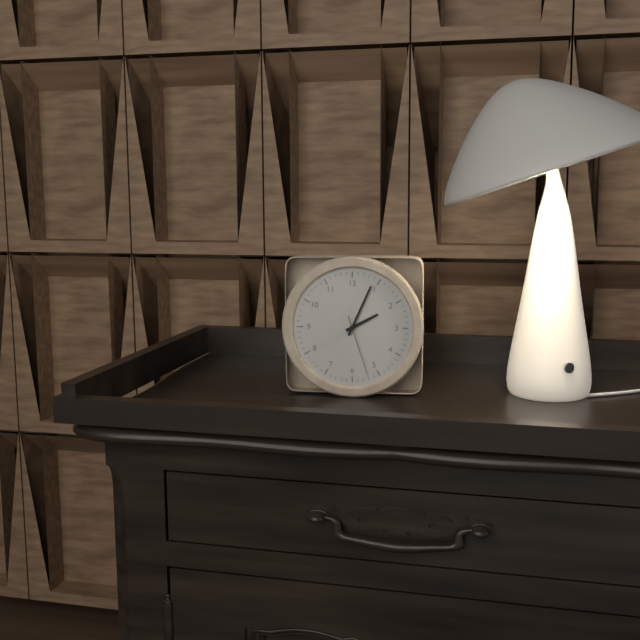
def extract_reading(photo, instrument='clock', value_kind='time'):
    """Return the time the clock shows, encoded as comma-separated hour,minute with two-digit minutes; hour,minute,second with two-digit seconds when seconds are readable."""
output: 2,04,27
